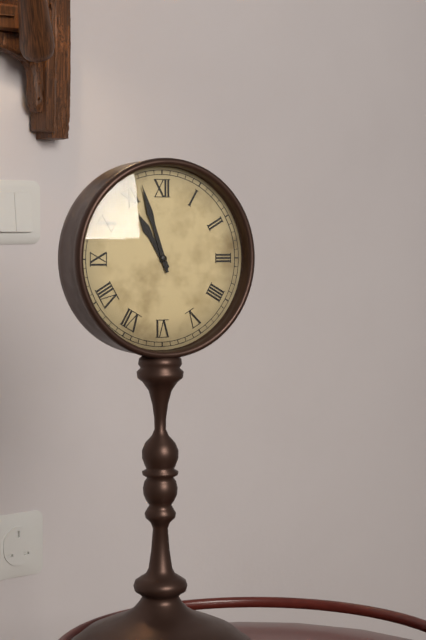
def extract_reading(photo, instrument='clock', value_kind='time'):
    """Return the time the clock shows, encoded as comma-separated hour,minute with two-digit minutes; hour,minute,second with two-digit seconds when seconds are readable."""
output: 10,57
